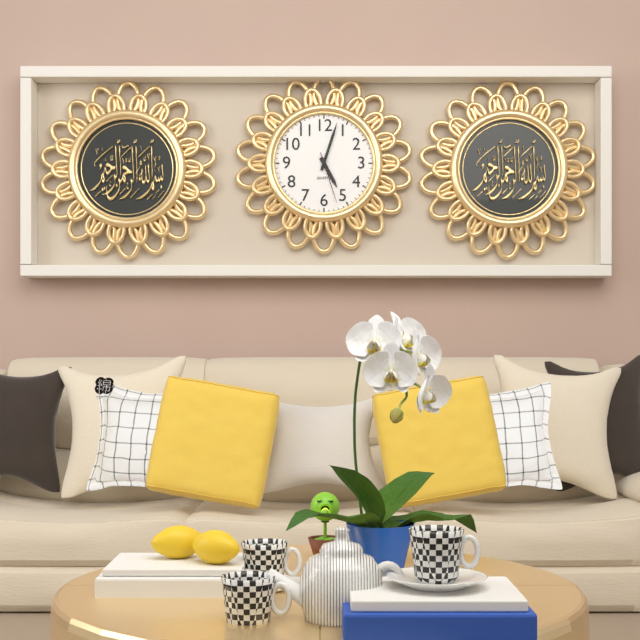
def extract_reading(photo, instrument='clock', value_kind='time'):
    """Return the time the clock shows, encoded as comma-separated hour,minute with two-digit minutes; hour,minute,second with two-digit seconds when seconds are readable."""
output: 5,03,27
